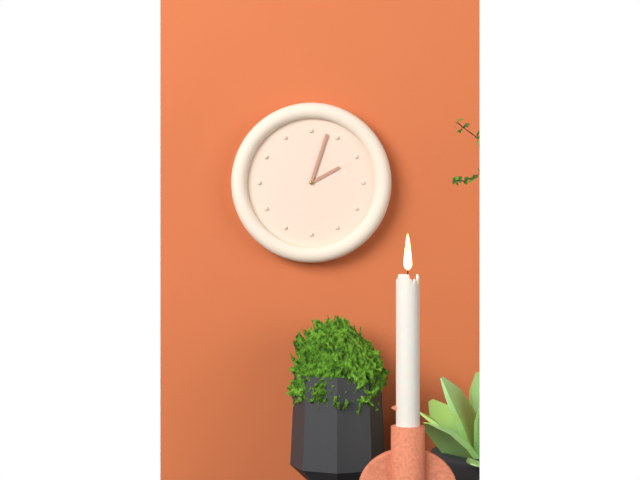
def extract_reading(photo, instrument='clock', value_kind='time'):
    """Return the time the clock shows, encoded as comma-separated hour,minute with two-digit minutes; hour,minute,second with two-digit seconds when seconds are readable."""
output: 2,03
